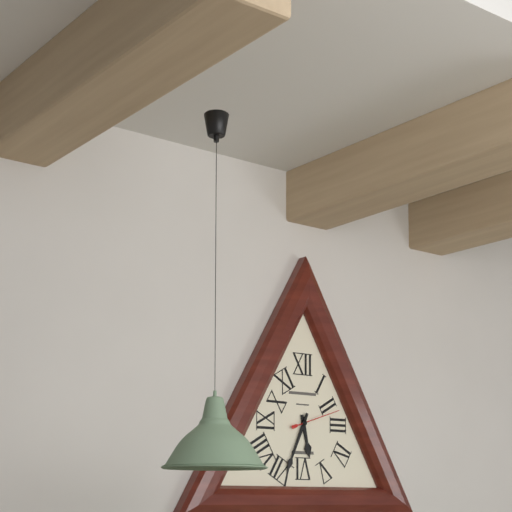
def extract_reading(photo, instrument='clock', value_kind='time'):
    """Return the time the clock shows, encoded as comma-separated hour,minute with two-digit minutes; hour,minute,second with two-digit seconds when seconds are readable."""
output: 5,34
